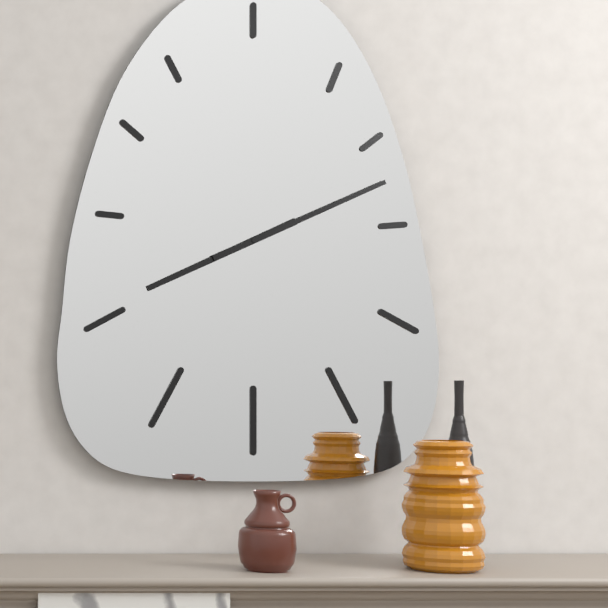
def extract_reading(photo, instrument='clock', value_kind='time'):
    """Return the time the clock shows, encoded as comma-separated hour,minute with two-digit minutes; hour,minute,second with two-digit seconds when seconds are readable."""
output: 8,11
